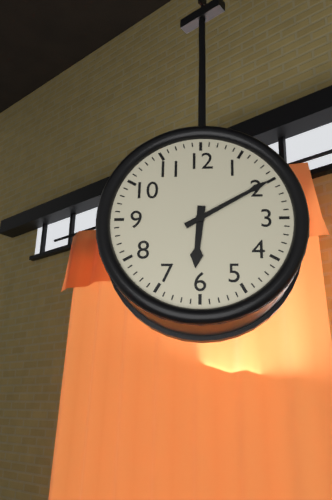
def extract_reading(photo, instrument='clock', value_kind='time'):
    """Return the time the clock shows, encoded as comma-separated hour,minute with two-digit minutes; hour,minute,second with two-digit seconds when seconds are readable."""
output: 6,10
